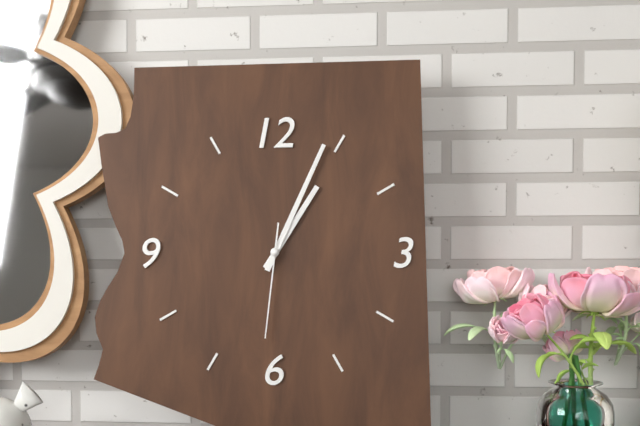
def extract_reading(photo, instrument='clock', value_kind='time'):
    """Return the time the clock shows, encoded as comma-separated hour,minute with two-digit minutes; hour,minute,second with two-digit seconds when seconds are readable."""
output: 1,04,31
